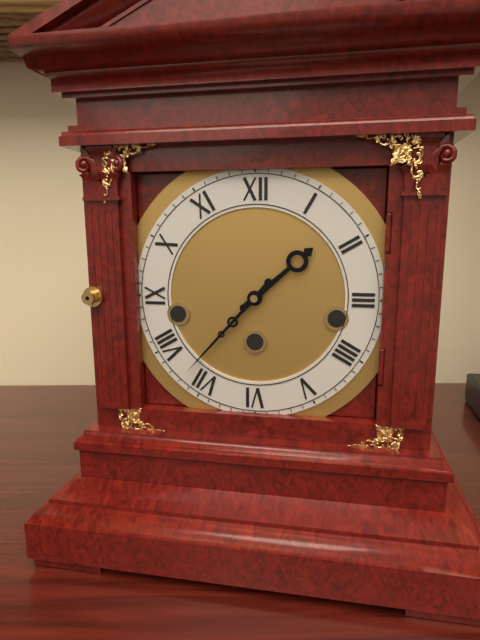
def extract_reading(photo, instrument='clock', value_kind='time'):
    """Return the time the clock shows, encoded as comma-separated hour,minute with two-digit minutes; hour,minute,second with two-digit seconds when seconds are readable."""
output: 1,37
